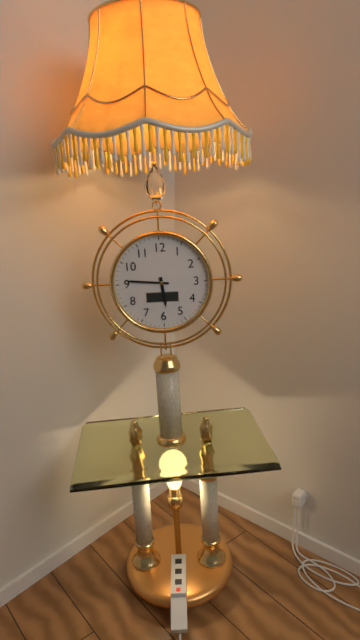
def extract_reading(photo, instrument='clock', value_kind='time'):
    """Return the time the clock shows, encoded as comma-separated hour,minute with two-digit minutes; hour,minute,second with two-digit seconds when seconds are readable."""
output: 5,46
